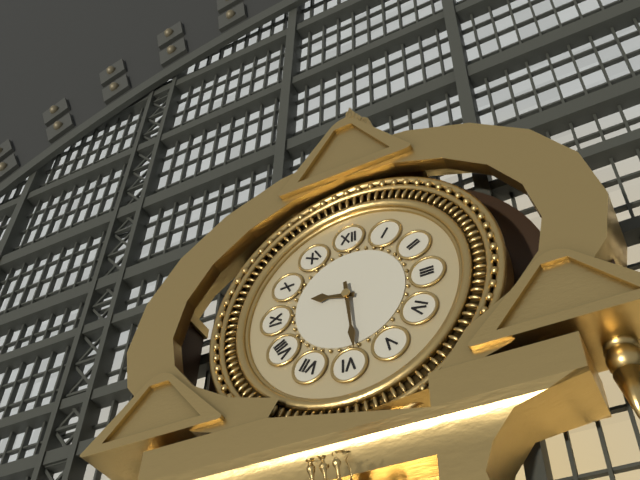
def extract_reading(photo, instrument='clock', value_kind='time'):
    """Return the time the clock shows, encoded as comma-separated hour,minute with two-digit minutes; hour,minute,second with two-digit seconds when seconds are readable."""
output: 9,29
